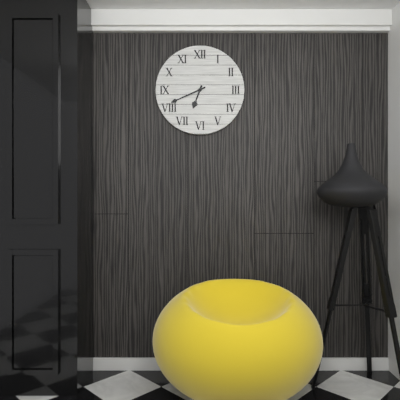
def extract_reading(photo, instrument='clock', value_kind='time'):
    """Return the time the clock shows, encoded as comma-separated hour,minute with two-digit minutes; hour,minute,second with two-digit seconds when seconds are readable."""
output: 6,41
